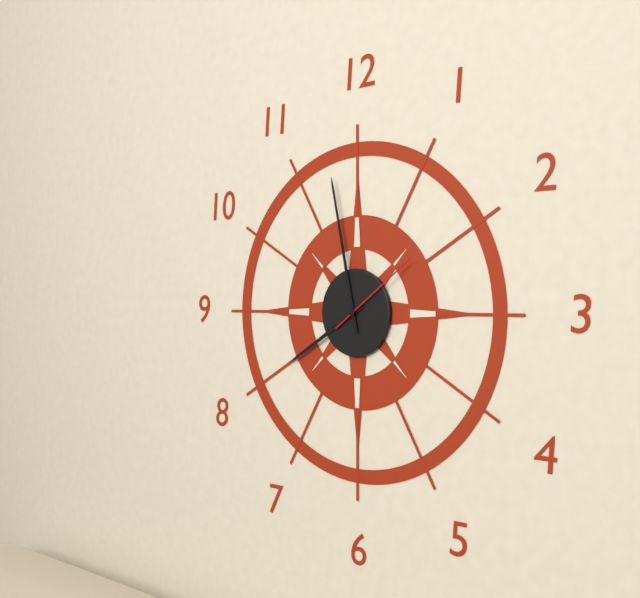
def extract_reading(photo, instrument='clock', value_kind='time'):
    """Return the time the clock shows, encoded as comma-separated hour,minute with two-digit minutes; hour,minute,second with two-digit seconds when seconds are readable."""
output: 7,58,09
